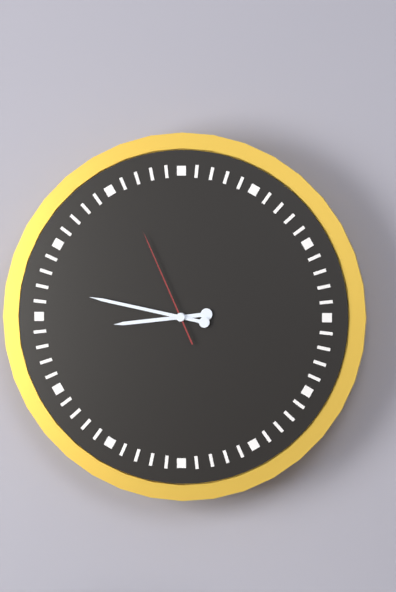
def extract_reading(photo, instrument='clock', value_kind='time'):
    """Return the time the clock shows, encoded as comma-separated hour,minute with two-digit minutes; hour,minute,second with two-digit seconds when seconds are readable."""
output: 8,47,56
